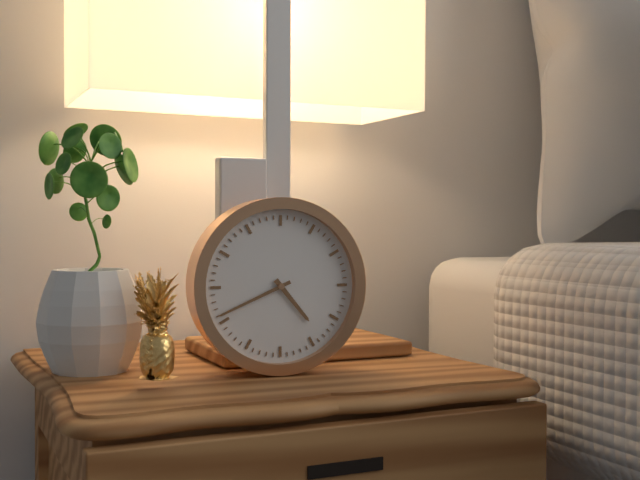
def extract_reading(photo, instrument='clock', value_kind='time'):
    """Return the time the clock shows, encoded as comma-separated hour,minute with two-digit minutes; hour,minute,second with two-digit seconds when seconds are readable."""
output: 4,41
